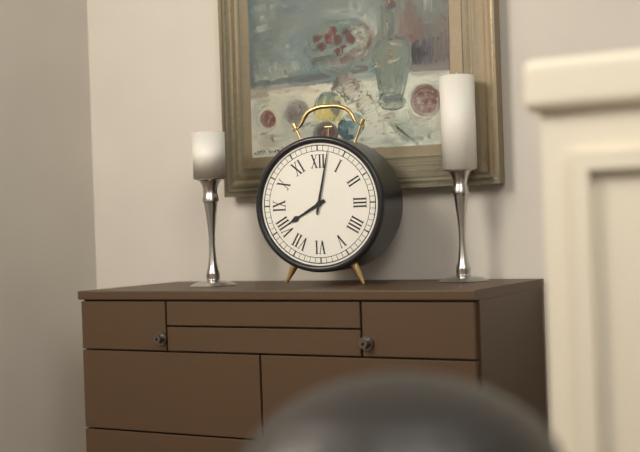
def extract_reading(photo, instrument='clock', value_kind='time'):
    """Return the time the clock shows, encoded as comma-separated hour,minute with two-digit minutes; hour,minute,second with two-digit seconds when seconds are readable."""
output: 8,02
